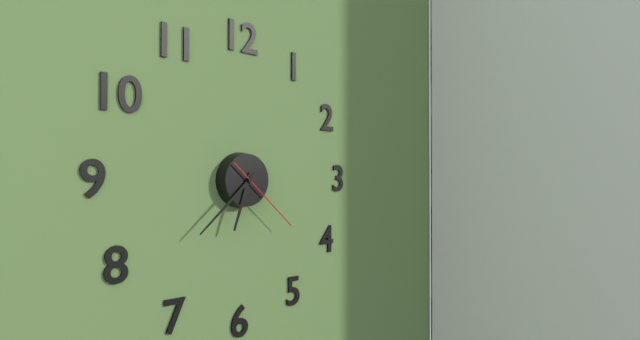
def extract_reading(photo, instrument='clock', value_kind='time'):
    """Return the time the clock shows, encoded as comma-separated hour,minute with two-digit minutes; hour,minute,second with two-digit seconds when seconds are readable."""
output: 6,38,22
